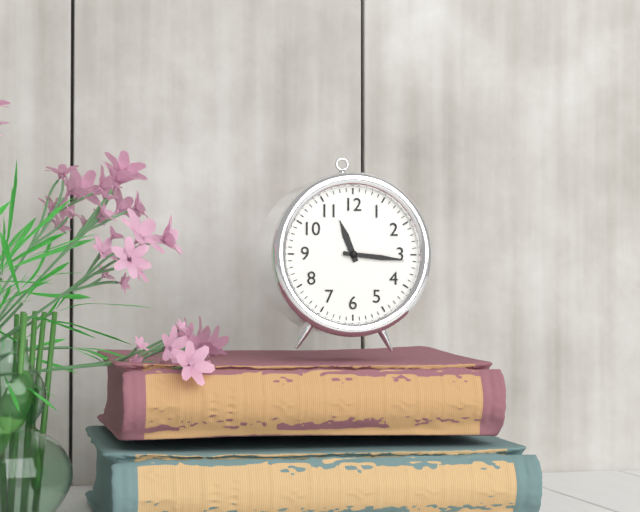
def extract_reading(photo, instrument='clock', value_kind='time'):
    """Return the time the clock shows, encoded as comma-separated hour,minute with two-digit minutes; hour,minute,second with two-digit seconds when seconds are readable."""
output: 11,16
